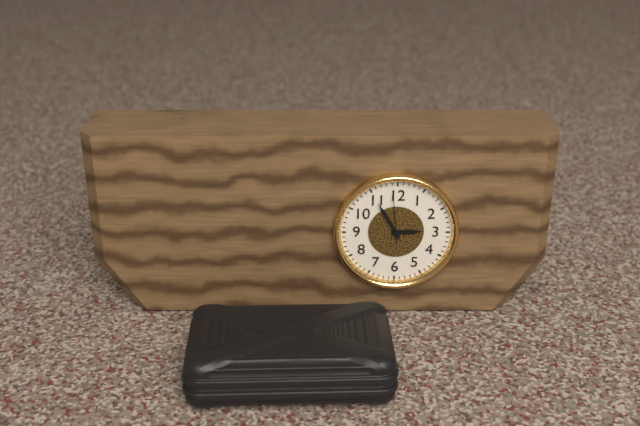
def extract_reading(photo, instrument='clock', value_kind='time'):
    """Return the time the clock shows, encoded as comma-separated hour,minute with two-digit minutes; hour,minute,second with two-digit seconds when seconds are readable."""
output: 2,55
